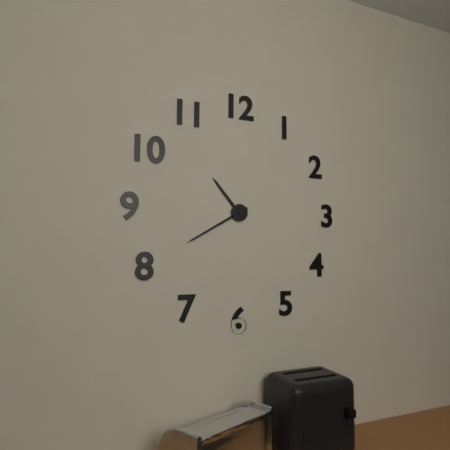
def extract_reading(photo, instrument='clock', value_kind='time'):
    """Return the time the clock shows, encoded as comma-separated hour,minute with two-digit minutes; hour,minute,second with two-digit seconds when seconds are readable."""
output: 10,40
